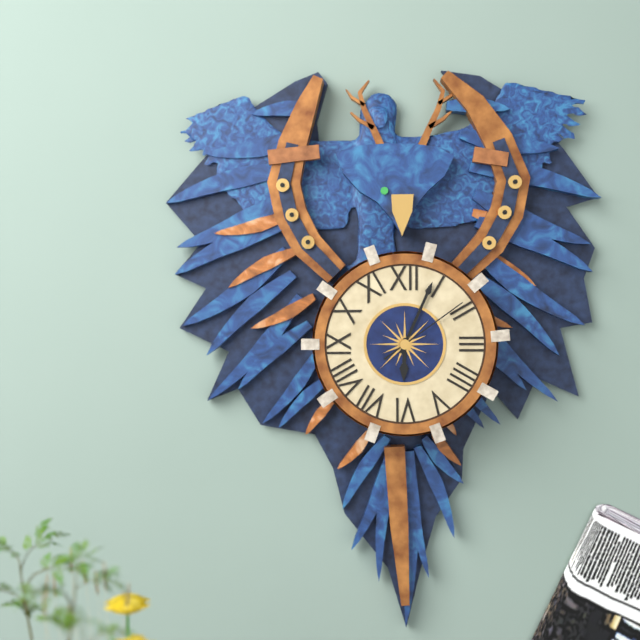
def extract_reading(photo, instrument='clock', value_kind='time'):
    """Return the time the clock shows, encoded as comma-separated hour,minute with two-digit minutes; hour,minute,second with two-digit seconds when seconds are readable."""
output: 6,04,09
